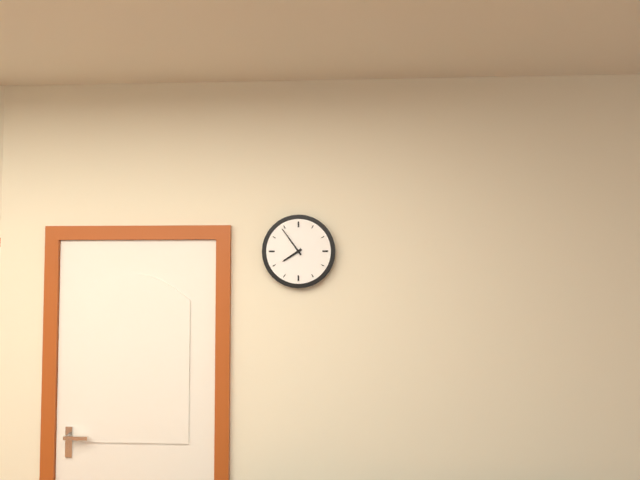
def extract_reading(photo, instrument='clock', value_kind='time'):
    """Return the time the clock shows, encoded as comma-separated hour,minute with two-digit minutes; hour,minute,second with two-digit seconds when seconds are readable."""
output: 7,54
